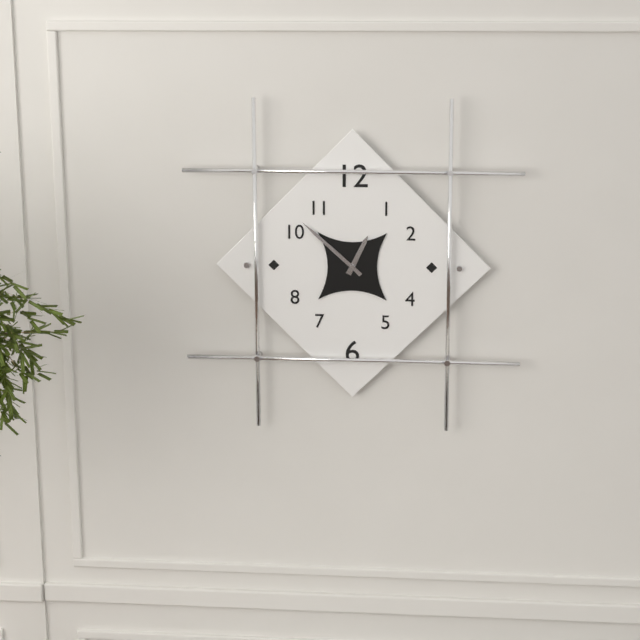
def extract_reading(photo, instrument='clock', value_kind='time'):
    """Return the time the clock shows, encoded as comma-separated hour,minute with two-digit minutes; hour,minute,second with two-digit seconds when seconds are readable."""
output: 12,52
